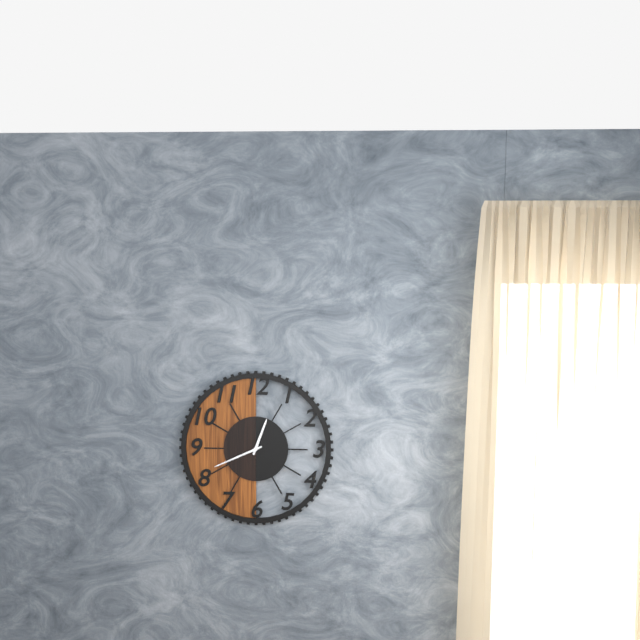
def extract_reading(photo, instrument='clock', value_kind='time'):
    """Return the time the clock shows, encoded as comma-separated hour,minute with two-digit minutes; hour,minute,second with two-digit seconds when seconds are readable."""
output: 12,41
